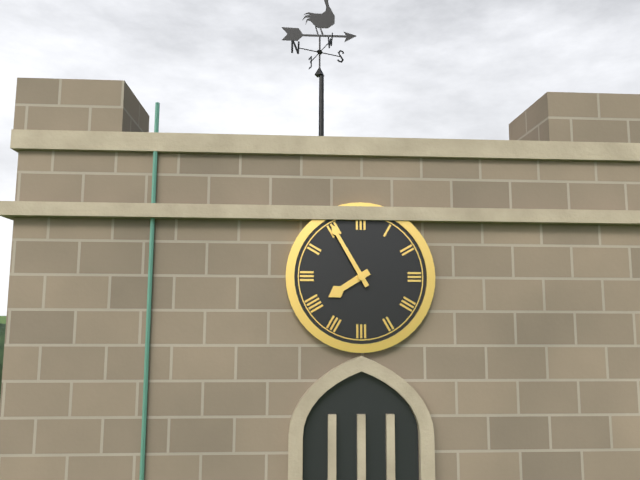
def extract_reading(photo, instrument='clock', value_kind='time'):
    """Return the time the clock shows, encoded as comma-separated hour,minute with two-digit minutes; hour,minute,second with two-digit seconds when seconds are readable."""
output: 7,55
